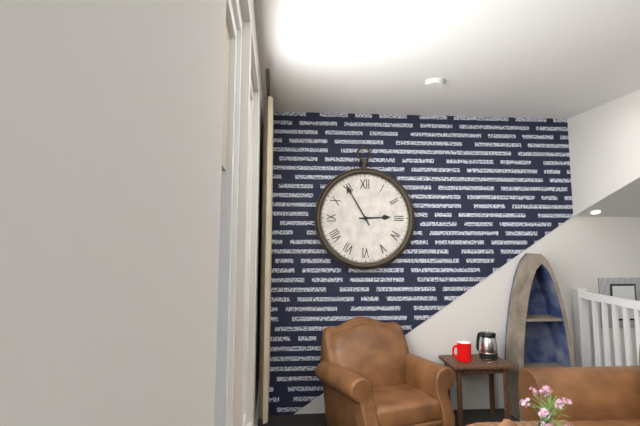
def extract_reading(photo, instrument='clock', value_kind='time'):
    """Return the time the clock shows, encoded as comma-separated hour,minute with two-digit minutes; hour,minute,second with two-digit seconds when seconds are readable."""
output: 2,55
